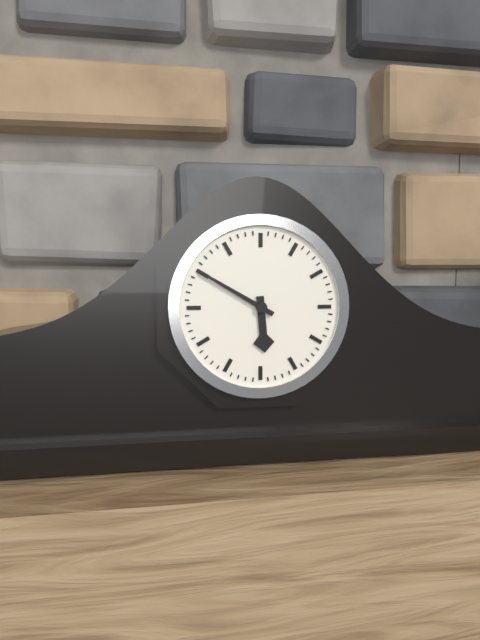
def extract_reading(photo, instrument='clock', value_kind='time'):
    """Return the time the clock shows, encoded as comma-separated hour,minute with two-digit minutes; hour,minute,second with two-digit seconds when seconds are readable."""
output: 5,50
